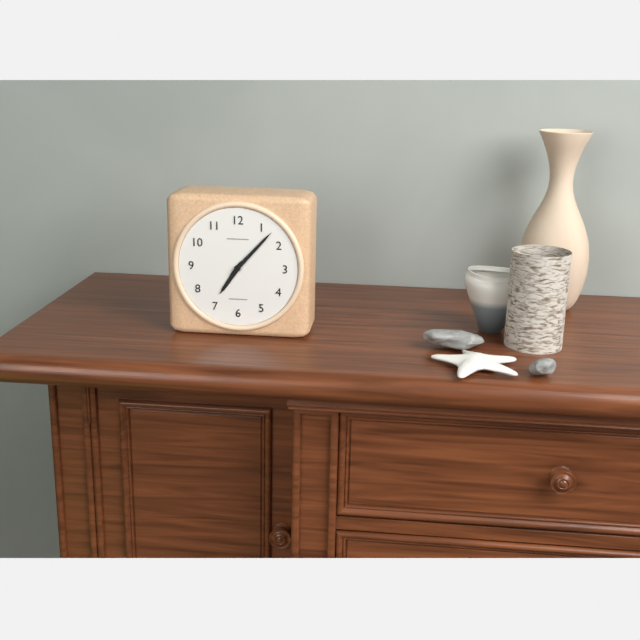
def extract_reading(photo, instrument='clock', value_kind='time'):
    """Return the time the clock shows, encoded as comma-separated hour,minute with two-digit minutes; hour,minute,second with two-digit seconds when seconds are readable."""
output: 7,07
